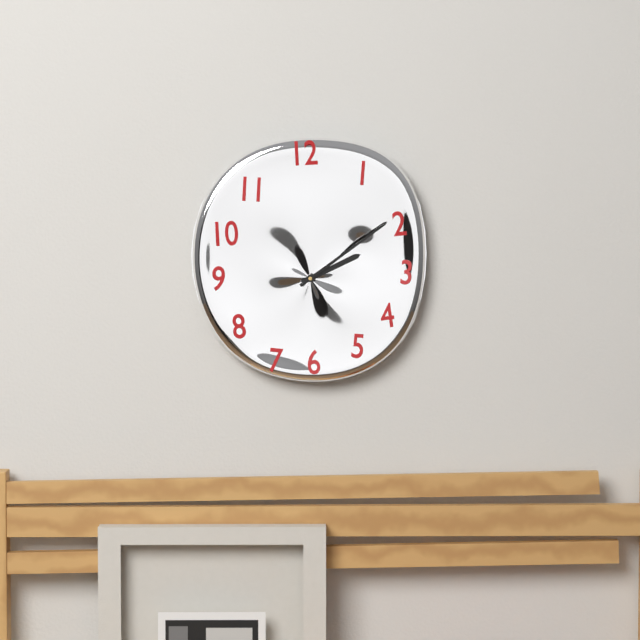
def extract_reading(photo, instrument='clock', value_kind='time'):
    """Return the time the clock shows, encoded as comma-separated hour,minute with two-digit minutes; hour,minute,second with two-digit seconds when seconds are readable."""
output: 2,09
